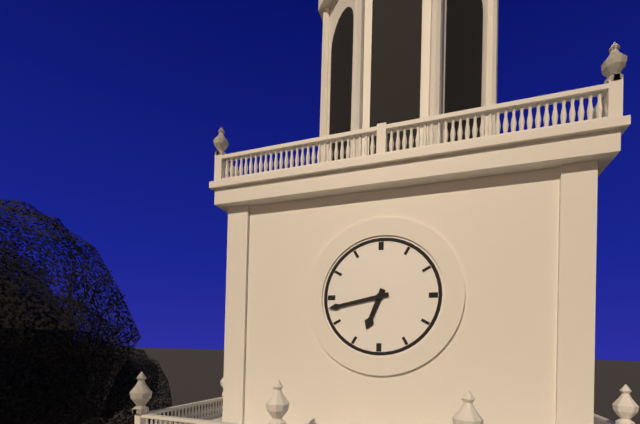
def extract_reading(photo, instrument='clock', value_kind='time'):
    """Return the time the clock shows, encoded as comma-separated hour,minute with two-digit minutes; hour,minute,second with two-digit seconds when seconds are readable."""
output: 6,43
